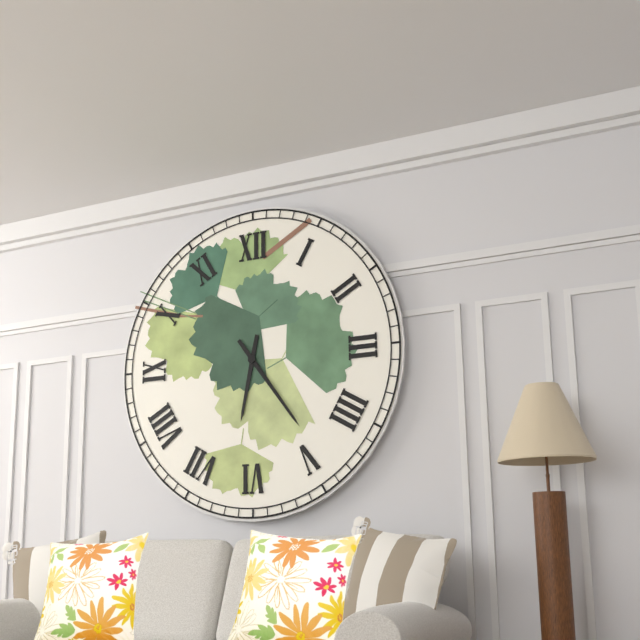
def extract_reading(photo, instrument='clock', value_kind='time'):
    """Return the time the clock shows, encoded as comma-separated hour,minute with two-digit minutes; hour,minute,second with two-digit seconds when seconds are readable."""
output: 6,24
